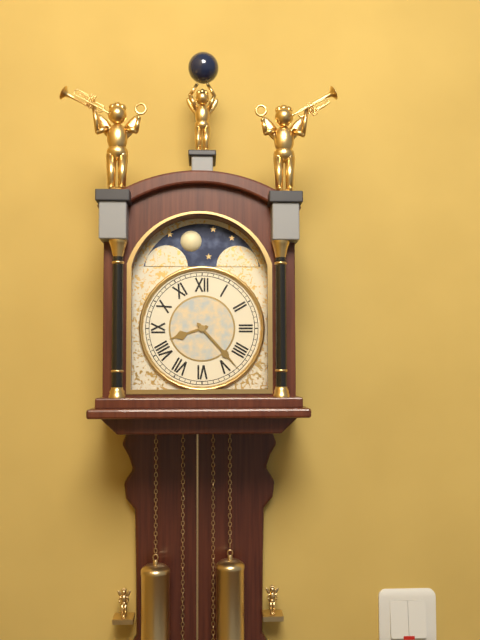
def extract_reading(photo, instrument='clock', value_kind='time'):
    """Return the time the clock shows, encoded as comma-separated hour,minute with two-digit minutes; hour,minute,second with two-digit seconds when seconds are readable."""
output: 8,23
